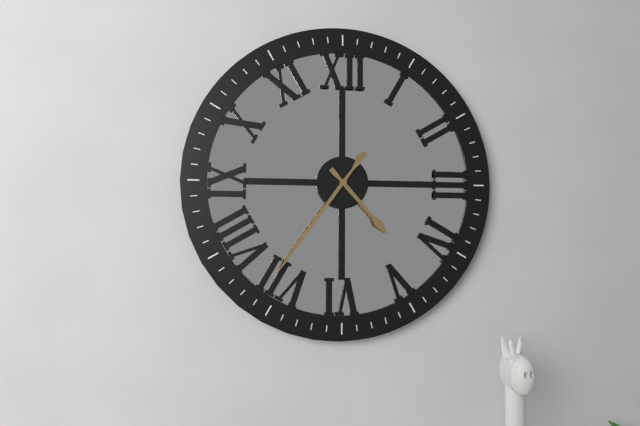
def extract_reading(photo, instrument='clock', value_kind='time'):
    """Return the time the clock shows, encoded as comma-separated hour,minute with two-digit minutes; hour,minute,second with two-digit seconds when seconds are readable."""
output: 4,36
